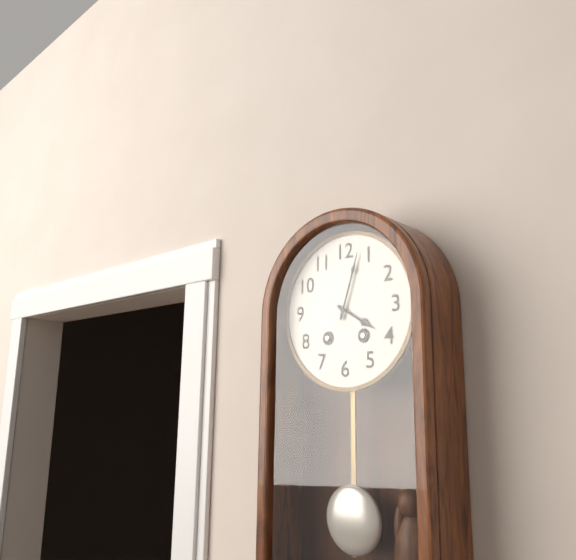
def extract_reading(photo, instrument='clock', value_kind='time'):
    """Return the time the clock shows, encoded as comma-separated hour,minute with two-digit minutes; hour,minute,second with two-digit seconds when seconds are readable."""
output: 4,03
